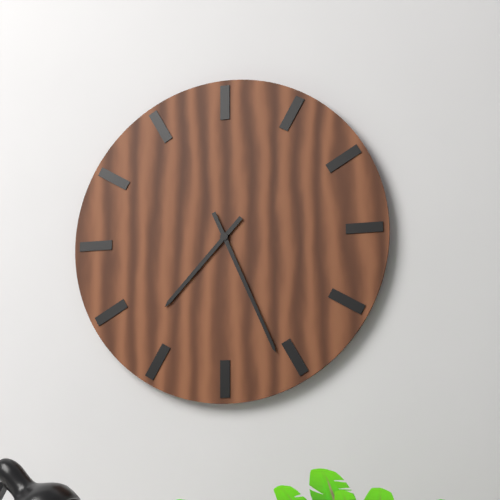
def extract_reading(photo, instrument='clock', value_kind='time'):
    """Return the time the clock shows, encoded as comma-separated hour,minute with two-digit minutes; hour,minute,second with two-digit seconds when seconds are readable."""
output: 7,26
